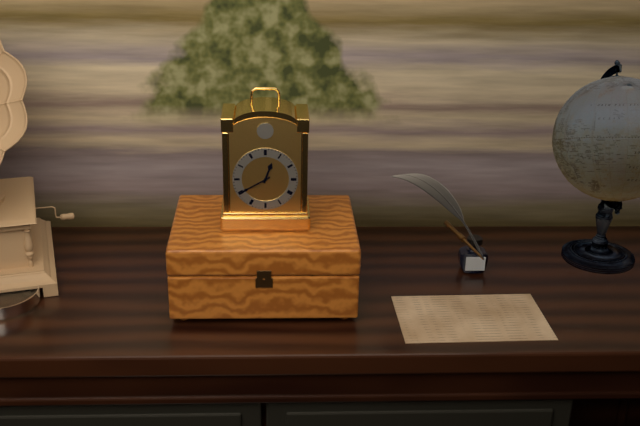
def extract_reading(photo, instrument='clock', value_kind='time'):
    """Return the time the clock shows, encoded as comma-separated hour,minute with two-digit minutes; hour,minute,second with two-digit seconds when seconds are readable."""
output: 12,40
